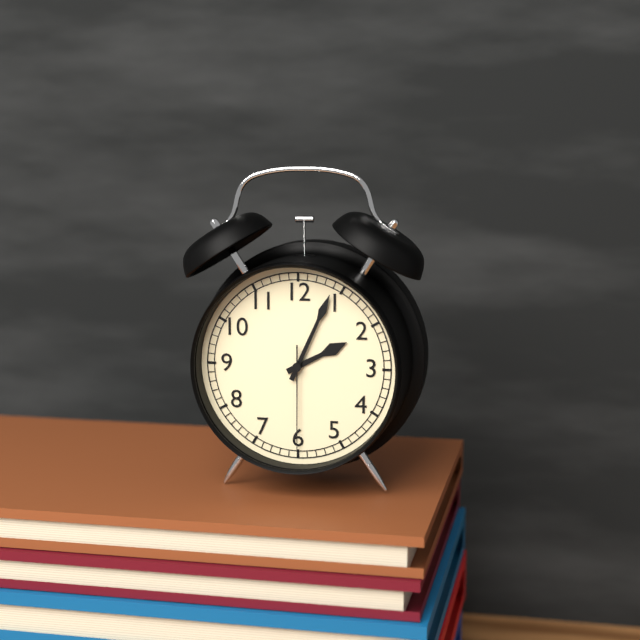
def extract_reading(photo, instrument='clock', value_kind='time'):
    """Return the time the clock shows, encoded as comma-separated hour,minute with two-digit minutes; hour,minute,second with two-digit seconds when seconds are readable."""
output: 2,04,30
